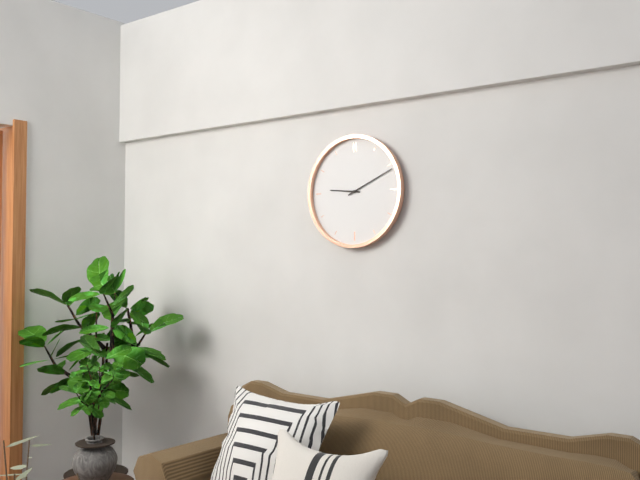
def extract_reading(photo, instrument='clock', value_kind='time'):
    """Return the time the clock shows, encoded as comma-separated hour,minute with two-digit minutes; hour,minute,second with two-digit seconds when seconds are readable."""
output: 9,11
